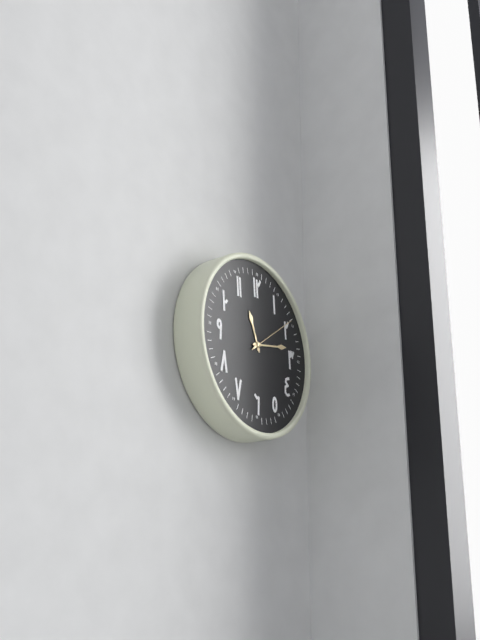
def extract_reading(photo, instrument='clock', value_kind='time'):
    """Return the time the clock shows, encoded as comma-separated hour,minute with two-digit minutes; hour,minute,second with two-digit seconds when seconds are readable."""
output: 11,13,09
